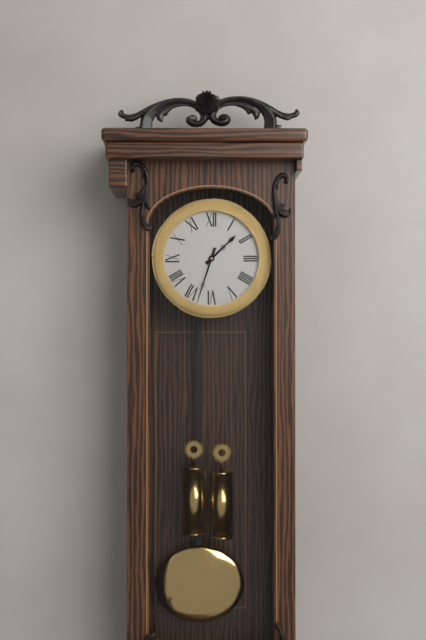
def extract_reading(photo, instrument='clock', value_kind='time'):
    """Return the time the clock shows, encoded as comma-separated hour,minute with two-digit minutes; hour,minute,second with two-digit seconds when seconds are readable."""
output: 1,33
